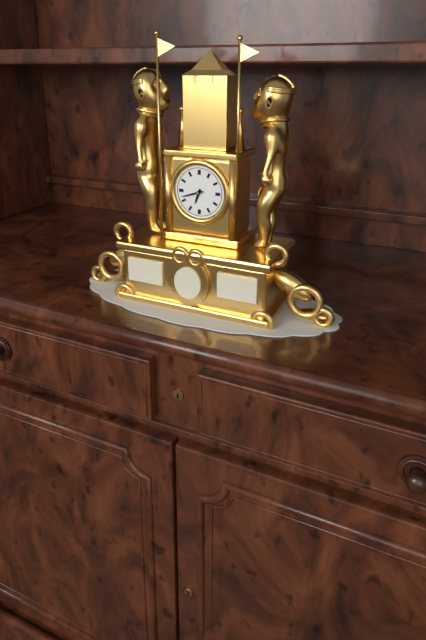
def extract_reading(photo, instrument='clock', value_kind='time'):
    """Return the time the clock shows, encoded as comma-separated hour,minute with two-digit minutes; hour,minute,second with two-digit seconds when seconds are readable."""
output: 6,42
